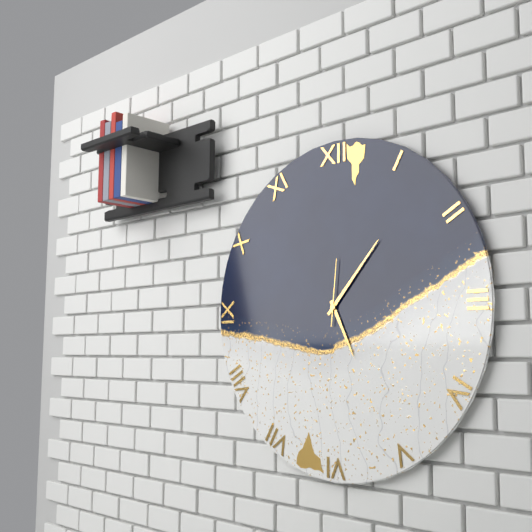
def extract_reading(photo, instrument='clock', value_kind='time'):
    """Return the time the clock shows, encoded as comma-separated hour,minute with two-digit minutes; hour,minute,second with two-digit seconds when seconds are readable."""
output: 5,07,01
